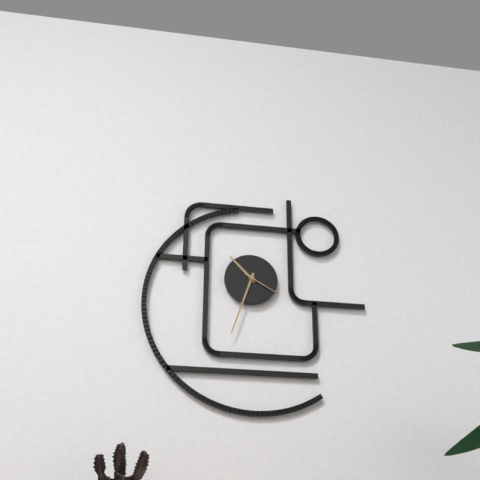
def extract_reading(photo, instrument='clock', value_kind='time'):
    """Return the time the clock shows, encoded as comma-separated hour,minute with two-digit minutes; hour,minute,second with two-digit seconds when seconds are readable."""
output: 10,33
